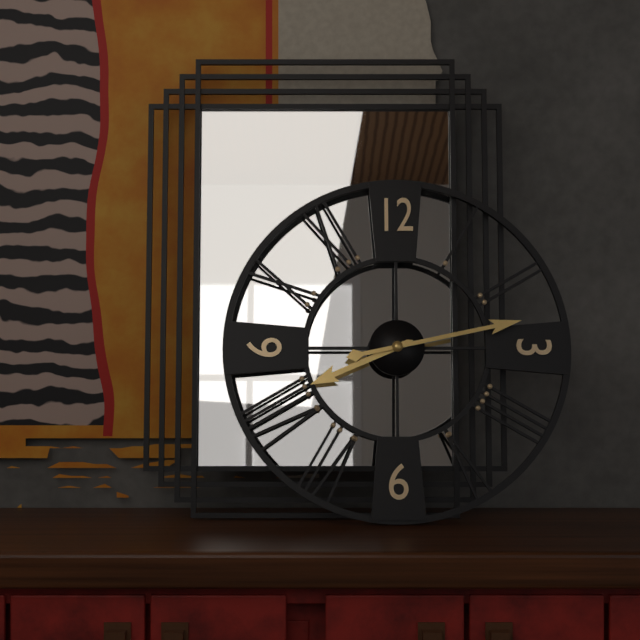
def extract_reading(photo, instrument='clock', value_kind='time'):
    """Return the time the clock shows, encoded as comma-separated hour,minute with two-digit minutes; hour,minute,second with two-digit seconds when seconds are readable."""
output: 8,13
